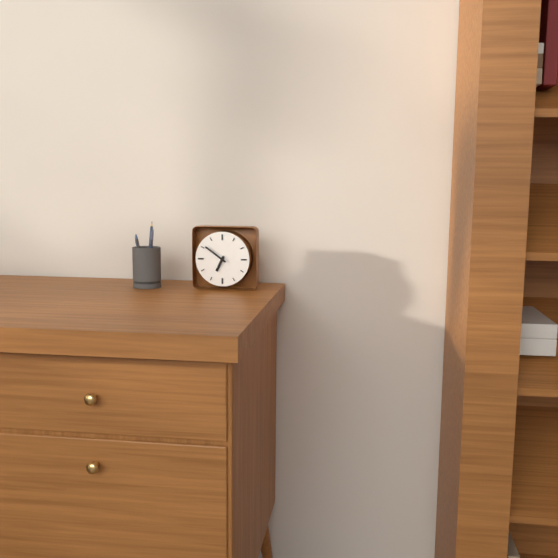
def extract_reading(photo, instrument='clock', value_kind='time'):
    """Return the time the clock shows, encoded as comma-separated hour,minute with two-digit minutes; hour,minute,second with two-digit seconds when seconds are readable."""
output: 6,51
